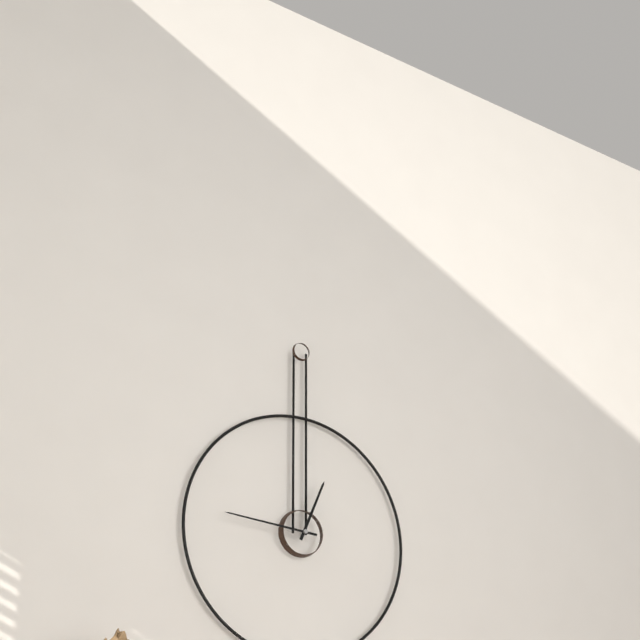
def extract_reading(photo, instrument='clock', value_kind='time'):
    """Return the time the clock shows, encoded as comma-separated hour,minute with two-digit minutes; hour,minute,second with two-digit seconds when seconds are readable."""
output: 12,46
